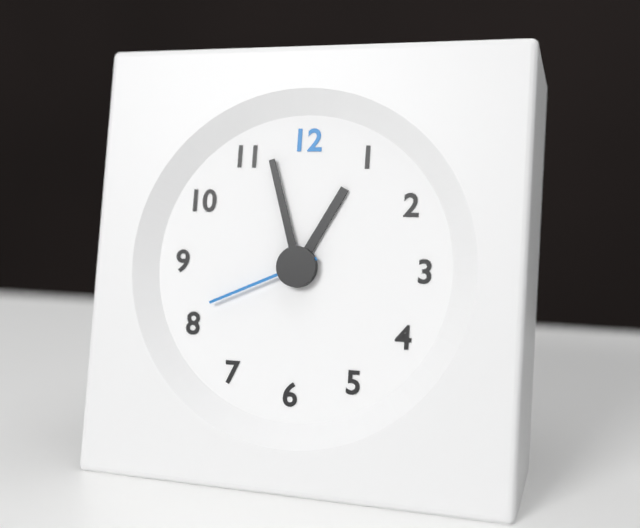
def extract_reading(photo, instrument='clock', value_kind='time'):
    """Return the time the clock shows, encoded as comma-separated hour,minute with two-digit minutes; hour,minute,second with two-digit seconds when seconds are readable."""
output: 12,57,41
